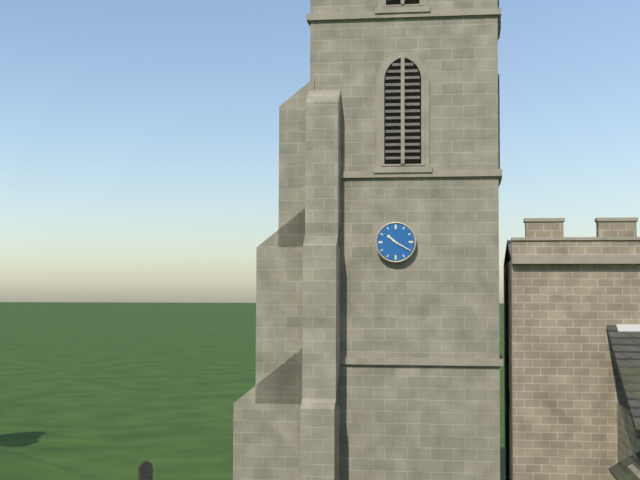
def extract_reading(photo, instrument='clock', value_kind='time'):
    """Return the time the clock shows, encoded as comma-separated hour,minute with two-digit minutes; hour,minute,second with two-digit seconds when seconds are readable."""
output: 10,20
